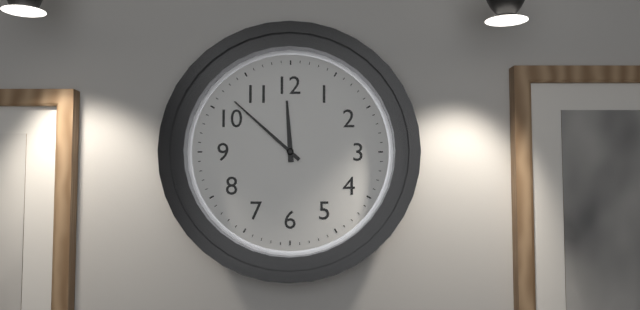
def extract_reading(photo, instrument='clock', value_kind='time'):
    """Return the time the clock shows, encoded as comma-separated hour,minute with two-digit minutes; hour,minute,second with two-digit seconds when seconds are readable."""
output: 11,52
